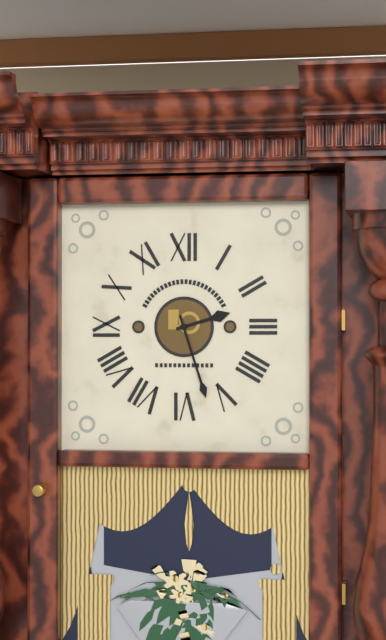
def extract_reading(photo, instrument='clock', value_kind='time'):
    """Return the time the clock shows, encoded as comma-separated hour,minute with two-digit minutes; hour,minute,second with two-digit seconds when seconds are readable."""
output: 2,27
